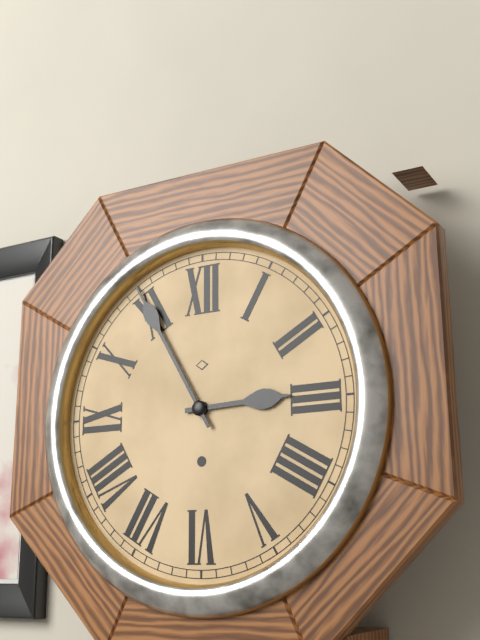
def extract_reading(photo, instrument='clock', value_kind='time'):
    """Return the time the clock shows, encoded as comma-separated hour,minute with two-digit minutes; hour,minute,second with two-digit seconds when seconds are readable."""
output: 2,55
